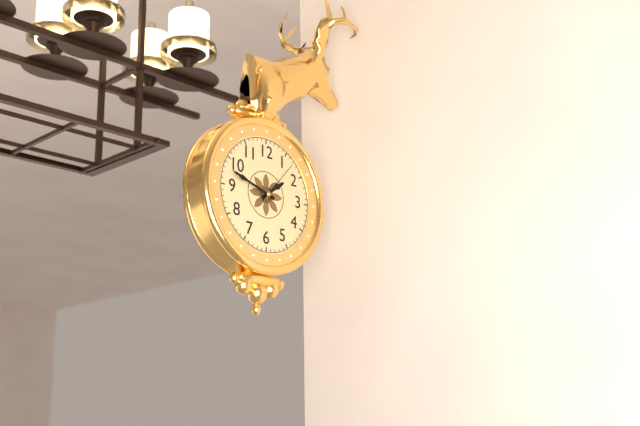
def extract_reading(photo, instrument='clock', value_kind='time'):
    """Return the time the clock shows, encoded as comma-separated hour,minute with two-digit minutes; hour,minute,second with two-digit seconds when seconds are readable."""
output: 1,48
